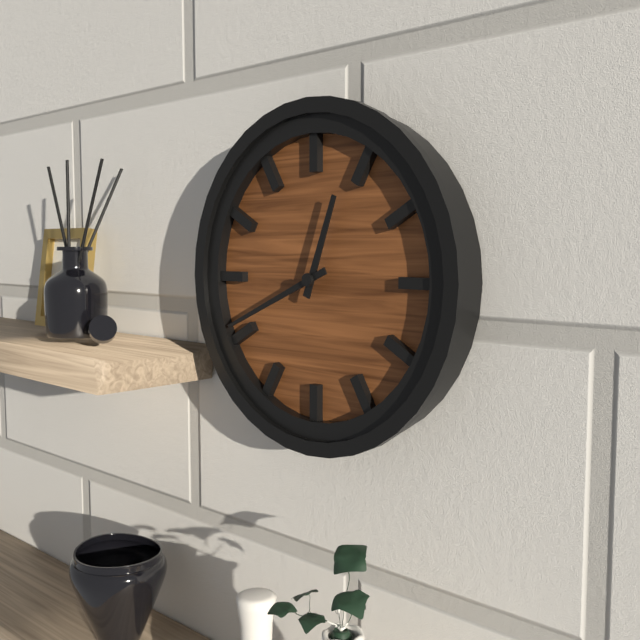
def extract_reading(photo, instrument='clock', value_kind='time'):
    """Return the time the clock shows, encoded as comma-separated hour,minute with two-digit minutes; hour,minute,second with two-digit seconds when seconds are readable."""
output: 12,41
